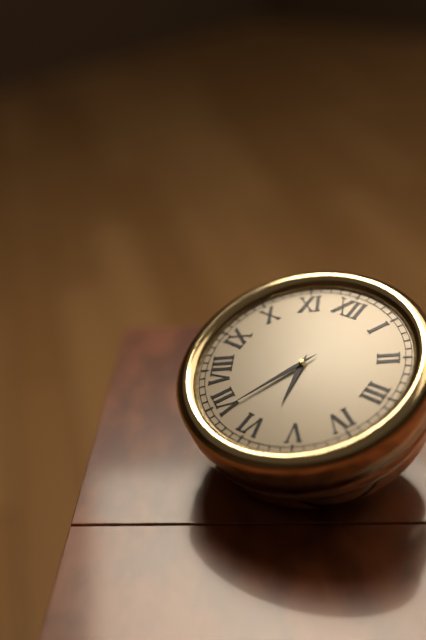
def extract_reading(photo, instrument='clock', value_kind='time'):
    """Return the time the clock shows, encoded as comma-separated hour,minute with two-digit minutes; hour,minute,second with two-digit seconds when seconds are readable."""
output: 5,34
